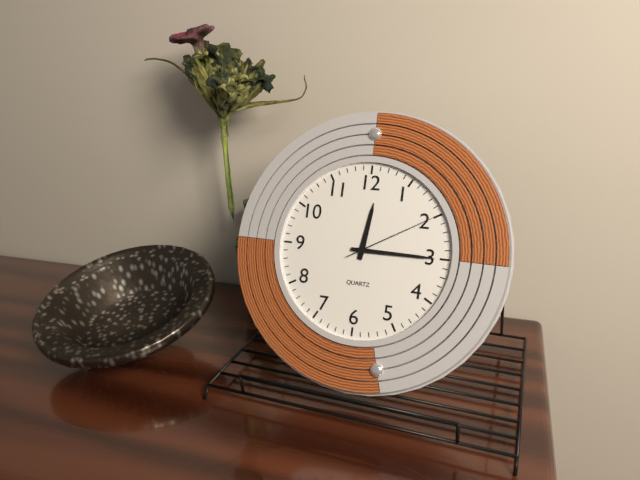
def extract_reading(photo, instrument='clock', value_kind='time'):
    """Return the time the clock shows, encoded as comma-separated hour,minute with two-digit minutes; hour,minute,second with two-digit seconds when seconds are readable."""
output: 12,15,10
